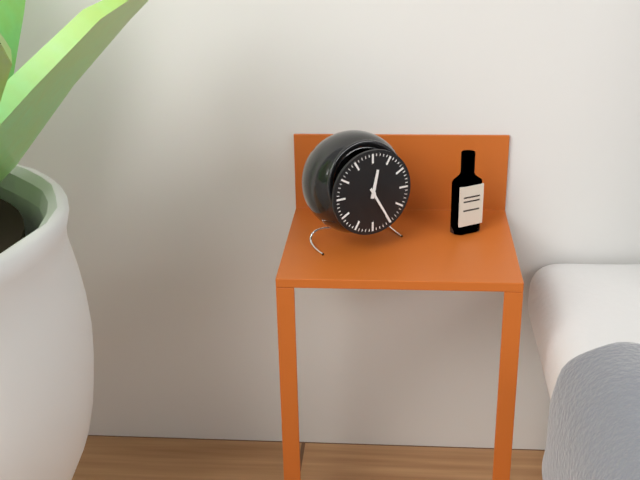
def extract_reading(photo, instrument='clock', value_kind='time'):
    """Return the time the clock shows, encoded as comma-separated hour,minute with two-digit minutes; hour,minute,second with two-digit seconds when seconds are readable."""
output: 12,25
